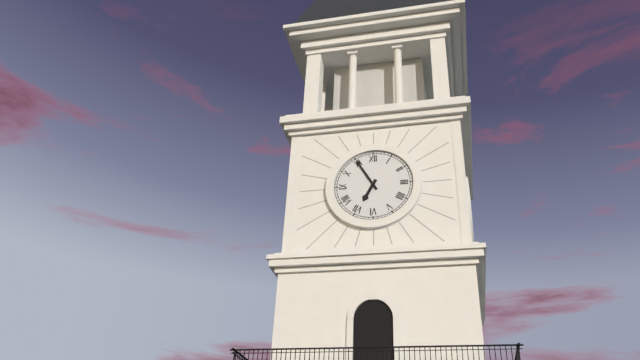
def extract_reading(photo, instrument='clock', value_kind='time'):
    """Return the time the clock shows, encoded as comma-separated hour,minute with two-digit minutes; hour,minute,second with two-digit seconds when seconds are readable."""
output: 6,55
